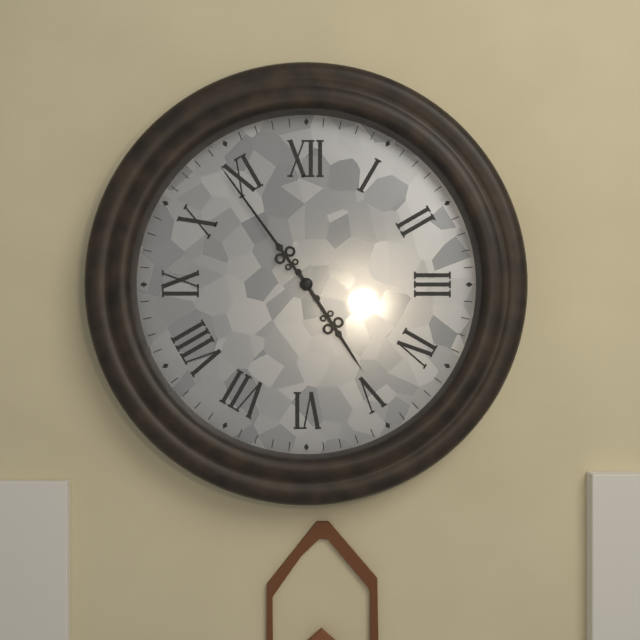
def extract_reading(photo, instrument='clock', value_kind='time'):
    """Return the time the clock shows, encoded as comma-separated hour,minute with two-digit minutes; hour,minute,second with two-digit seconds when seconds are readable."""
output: 4,54
